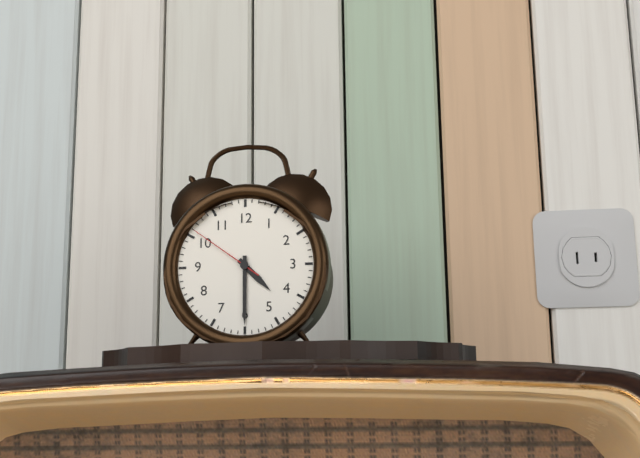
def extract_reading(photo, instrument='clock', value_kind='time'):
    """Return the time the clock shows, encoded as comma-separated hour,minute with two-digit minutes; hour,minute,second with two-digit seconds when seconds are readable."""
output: 4,30,51
